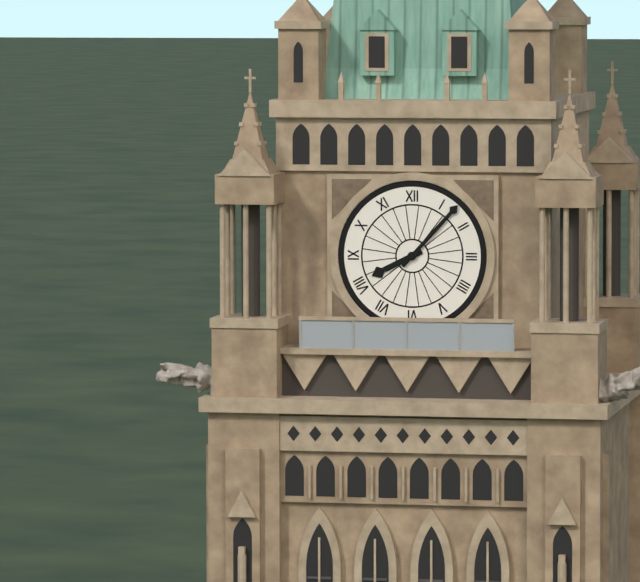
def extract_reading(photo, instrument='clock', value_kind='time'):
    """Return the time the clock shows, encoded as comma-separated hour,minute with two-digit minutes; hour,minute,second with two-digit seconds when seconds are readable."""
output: 8,07
